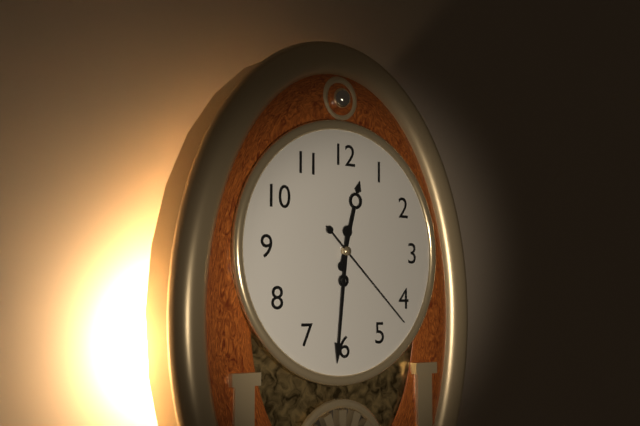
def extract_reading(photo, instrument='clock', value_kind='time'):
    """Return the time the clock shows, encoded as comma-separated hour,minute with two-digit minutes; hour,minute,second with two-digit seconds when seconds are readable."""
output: 12,31,22
